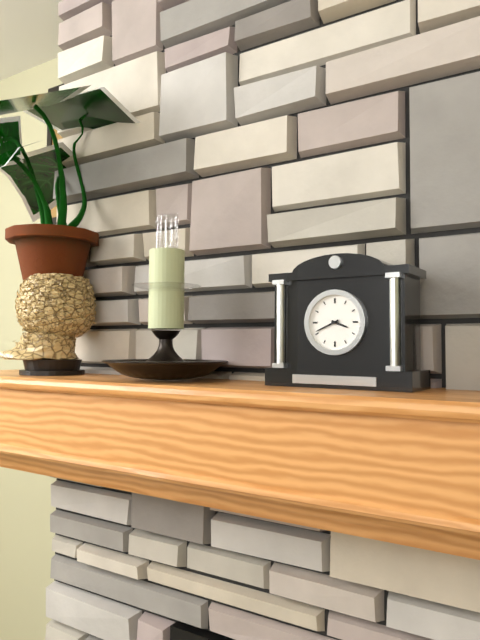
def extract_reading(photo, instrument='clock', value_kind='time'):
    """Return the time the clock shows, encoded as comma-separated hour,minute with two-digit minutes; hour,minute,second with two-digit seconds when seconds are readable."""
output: 3,41
